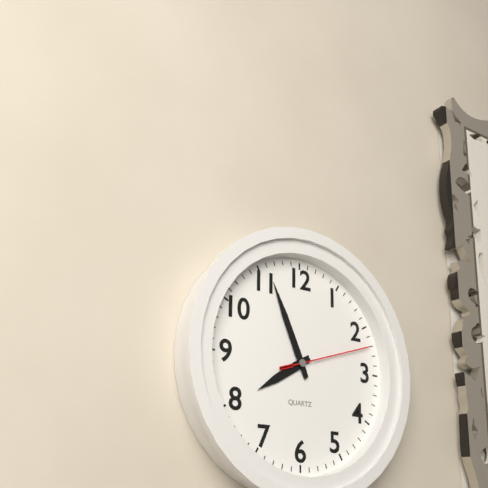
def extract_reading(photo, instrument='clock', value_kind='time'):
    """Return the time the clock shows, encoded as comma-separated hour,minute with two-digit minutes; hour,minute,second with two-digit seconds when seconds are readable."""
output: 7,56,12
